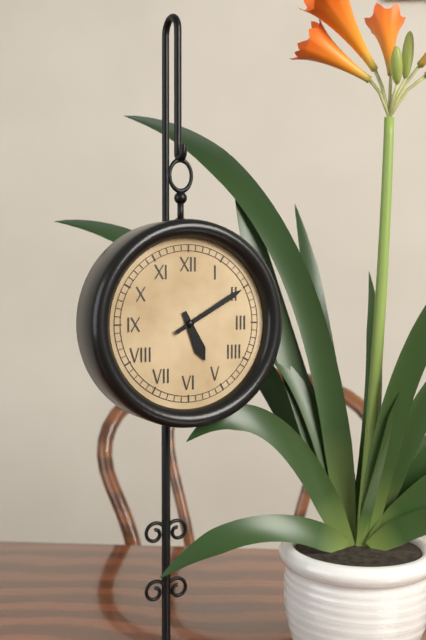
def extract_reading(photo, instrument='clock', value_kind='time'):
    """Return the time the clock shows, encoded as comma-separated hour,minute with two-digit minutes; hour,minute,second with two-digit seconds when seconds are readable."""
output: 5,10
